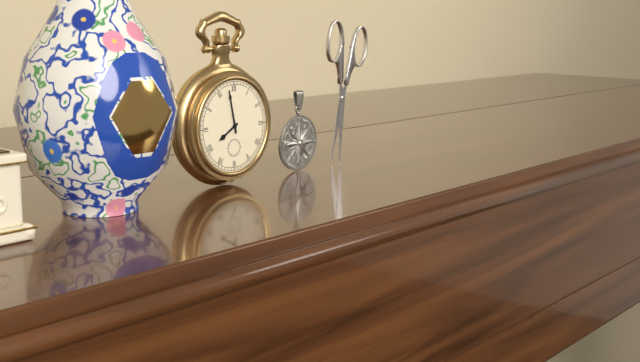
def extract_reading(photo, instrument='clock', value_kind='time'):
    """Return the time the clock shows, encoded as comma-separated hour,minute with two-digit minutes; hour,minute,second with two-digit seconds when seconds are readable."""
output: 7,58
